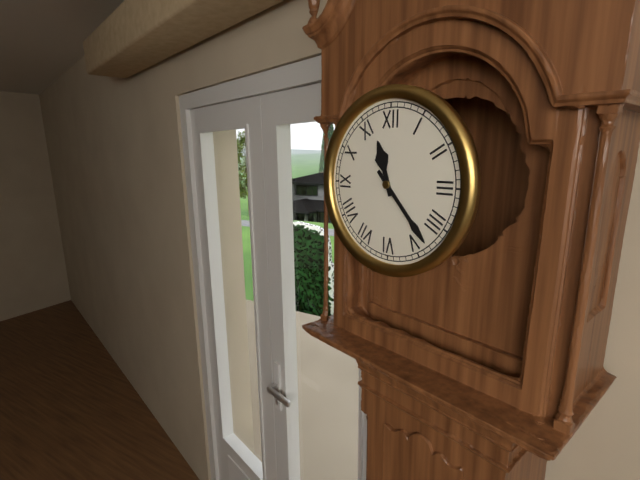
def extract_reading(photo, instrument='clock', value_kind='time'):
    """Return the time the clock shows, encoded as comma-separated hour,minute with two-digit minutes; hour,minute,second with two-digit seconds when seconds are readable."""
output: 11,23
